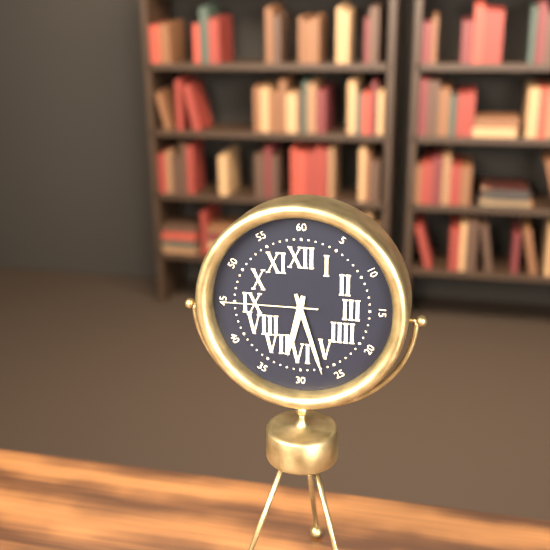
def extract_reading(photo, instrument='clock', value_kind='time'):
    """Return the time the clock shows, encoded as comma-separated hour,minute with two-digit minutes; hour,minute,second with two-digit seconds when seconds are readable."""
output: 6,27,45
